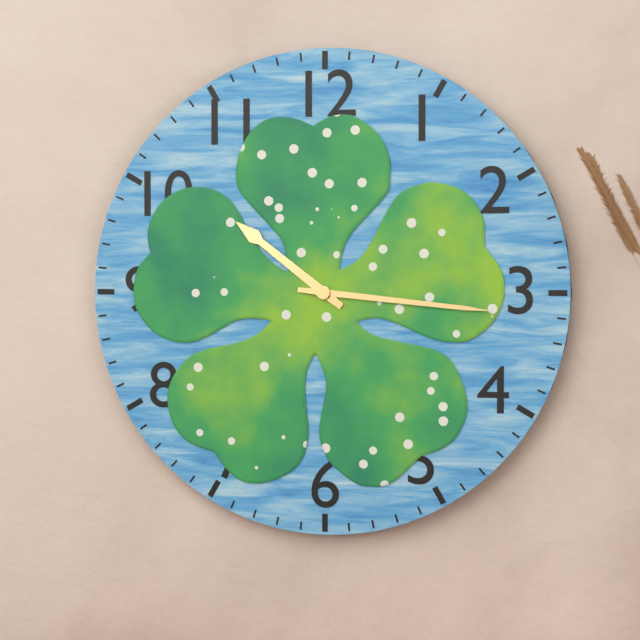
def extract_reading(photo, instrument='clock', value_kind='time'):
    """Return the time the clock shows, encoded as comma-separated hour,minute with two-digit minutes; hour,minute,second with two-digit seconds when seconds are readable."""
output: 10,16
